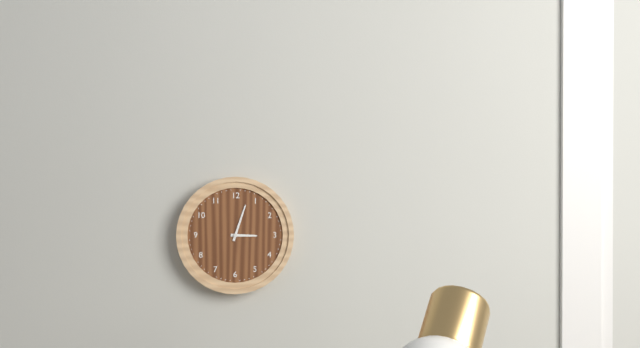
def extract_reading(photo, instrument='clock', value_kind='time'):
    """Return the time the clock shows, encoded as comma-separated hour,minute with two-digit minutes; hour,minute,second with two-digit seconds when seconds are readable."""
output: 3,03
